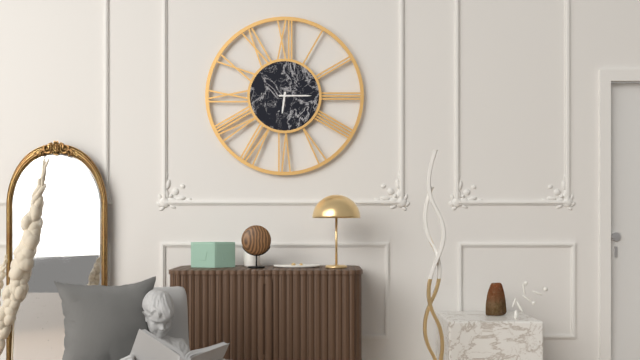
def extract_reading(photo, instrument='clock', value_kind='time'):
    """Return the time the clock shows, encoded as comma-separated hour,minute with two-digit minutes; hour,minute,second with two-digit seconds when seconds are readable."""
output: 6,15
